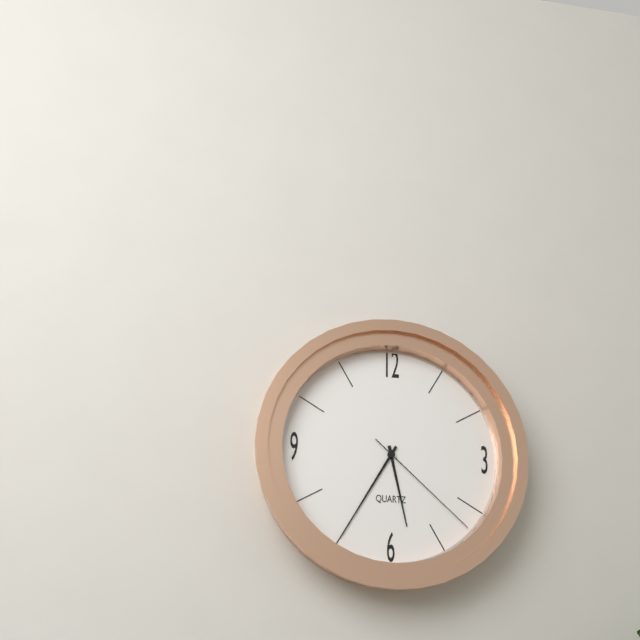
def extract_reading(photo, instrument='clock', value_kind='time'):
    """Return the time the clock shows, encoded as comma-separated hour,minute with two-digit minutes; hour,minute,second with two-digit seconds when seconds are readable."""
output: 5,35,22
